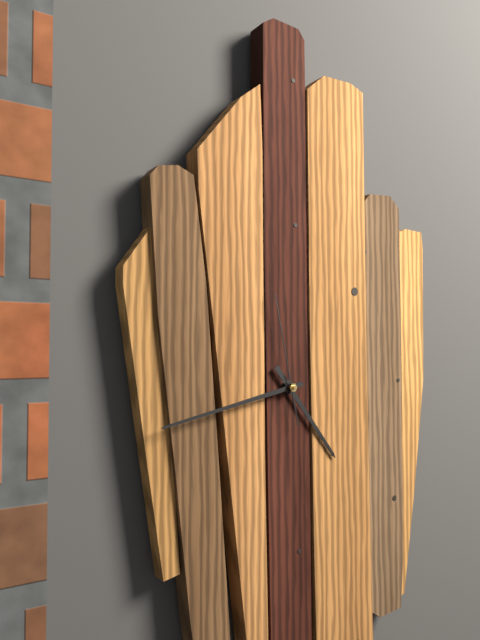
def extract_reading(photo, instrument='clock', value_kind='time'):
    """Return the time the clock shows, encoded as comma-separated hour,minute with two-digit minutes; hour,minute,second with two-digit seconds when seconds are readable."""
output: 4,43,58
